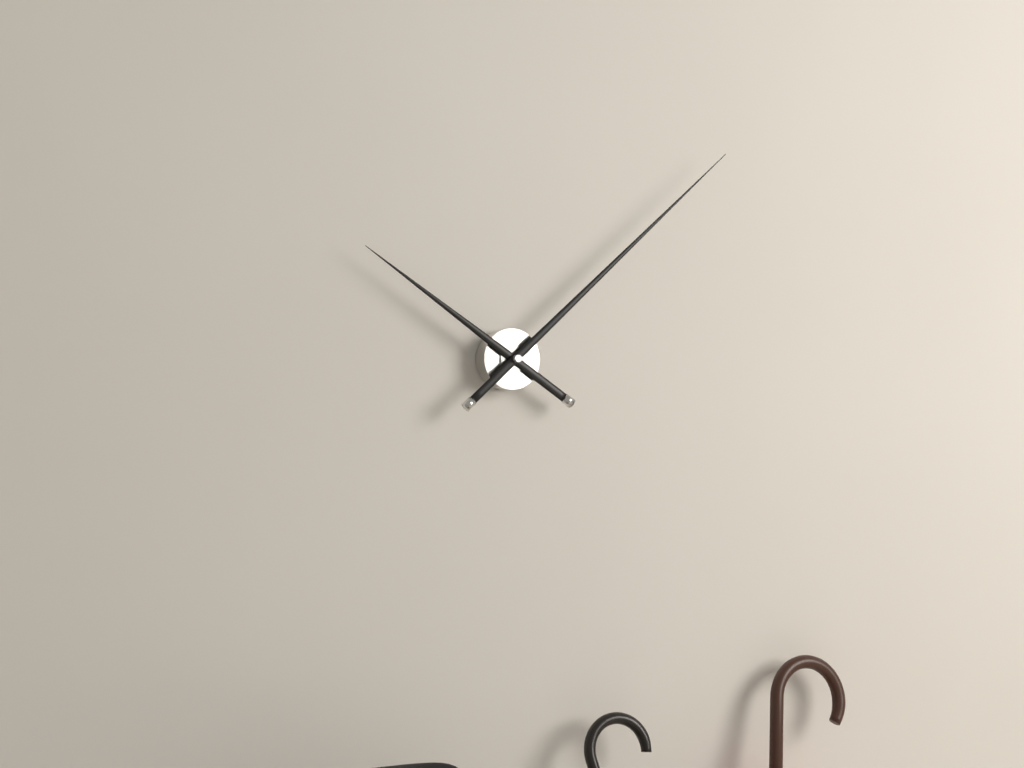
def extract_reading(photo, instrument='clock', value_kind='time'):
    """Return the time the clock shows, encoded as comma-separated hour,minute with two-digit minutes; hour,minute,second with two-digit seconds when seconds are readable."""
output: 10,08
